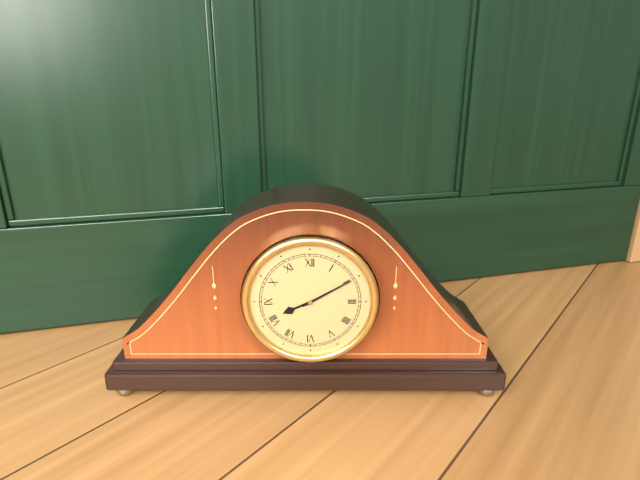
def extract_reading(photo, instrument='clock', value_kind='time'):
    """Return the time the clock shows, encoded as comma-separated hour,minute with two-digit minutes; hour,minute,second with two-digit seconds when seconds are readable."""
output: 8,10
